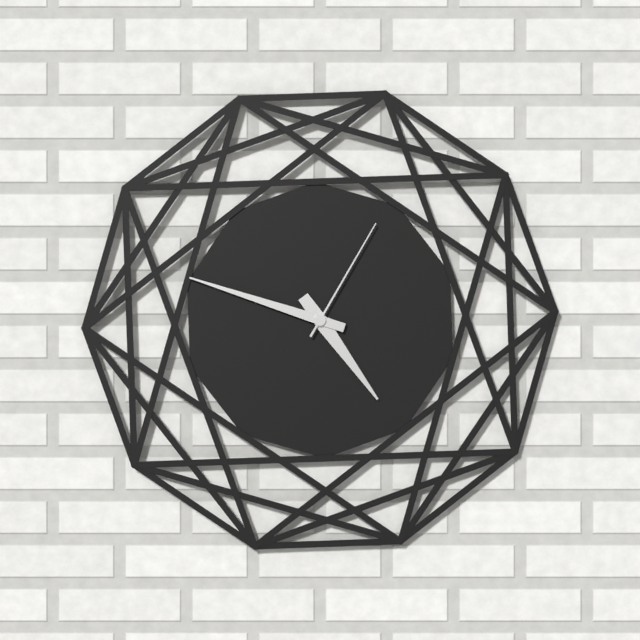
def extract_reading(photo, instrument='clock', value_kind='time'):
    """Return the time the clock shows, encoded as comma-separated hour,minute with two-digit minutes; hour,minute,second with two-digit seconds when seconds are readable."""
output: 4,48,05
